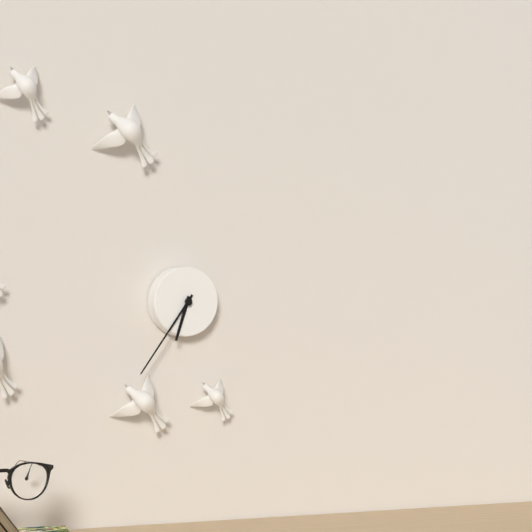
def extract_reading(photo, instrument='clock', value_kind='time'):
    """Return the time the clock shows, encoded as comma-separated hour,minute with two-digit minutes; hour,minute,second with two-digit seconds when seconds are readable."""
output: 6,36
